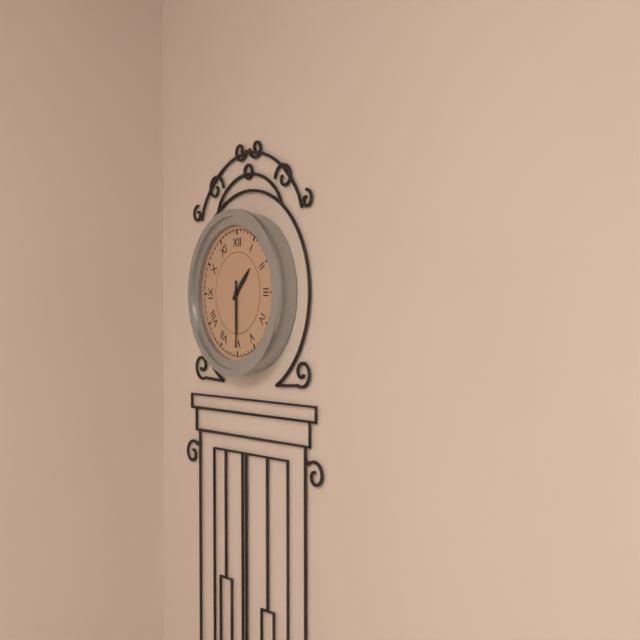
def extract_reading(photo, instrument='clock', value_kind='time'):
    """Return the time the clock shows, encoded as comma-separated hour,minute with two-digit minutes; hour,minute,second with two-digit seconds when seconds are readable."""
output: 1,30
